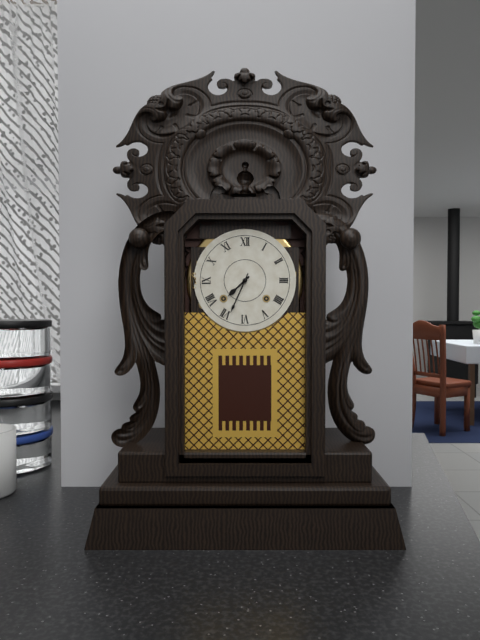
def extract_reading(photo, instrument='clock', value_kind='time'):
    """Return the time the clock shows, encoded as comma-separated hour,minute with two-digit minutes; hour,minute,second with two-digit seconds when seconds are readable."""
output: 7,34
